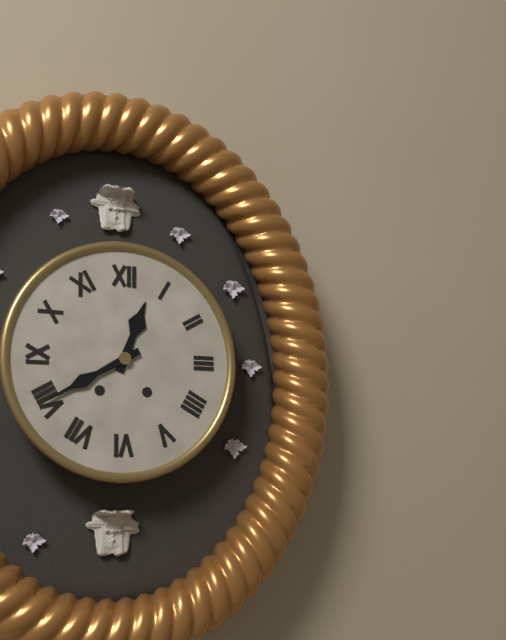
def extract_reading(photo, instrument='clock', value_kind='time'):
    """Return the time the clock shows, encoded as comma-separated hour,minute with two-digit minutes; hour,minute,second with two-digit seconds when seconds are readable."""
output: 12,40
